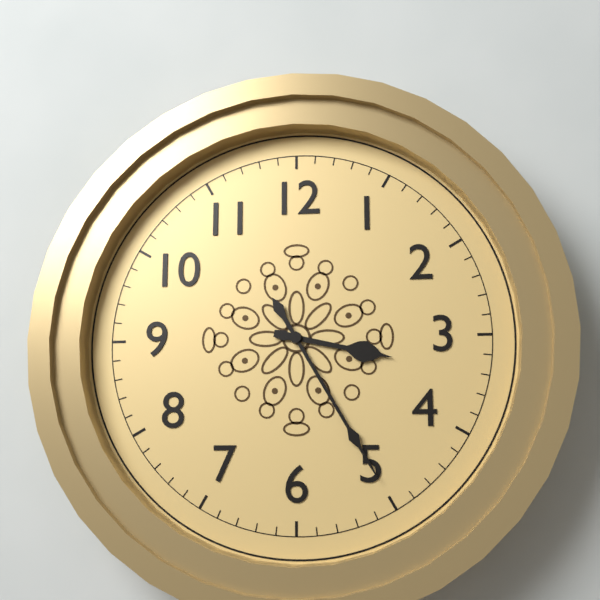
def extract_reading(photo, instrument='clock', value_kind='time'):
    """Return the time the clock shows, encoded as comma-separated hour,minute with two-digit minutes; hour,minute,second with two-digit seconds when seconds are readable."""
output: 3,25
